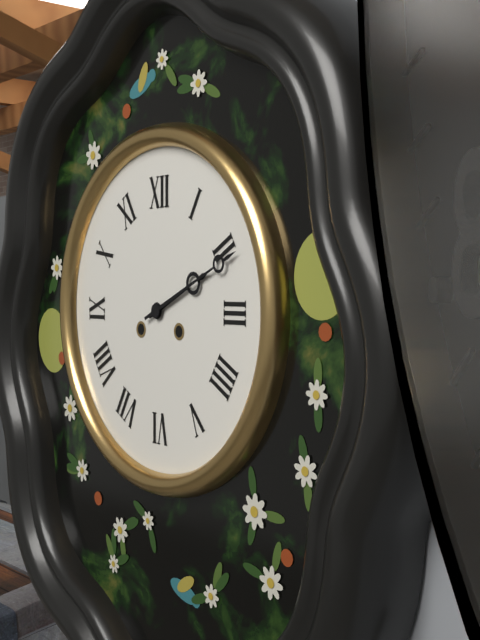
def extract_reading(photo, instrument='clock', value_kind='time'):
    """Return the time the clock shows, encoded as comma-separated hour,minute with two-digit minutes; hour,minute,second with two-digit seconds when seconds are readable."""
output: 2,11
